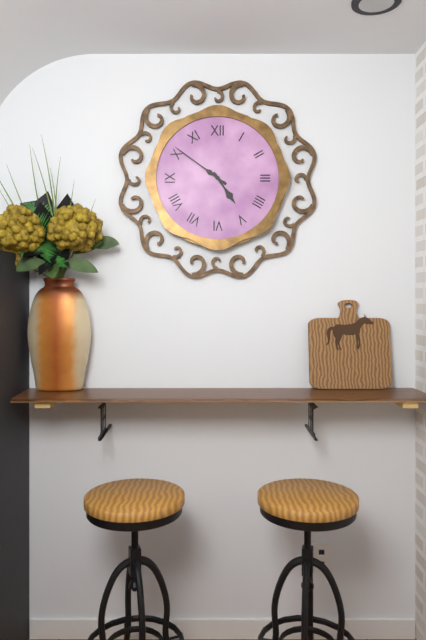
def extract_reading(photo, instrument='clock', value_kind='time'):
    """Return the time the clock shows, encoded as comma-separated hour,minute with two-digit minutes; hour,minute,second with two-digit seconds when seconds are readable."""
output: 4,51
